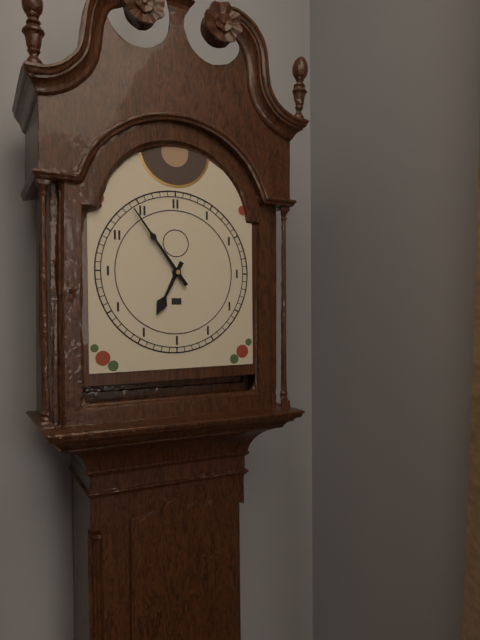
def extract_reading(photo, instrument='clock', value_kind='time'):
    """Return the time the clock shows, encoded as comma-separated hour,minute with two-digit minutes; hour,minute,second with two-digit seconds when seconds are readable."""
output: 6,54
